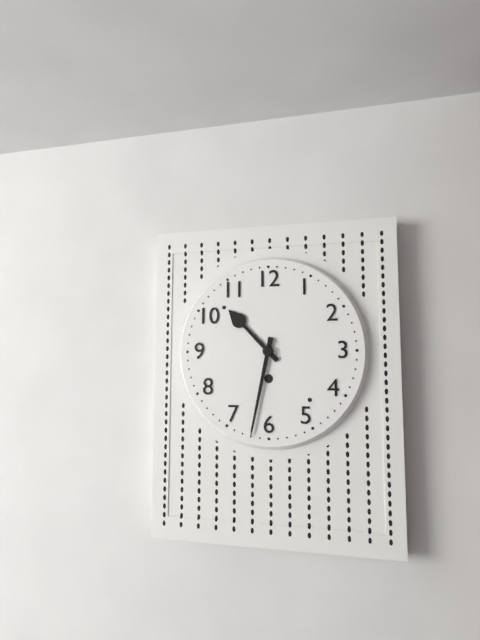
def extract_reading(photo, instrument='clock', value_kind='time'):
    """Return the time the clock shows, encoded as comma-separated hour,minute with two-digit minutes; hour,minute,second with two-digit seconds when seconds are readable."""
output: 10,32
